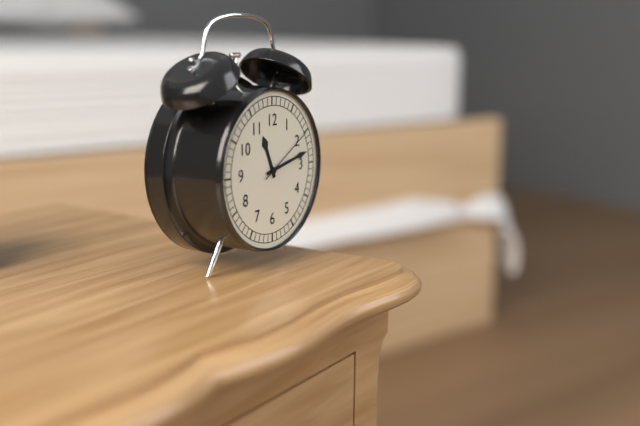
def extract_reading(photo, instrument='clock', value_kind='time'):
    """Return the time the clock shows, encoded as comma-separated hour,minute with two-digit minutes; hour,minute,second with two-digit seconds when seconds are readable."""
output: 11,13,10
